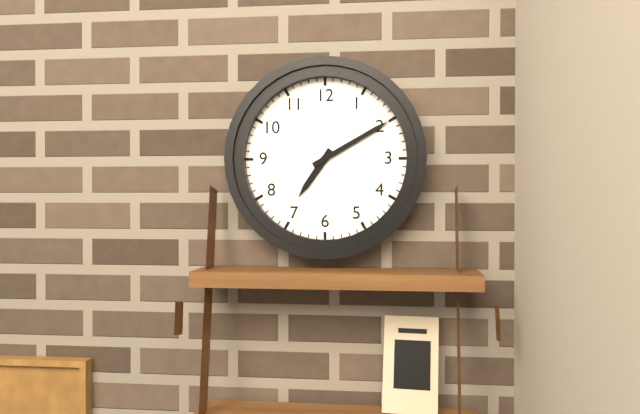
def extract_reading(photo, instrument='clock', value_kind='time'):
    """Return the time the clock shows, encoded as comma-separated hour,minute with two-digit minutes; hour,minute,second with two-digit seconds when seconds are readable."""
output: 7,10
